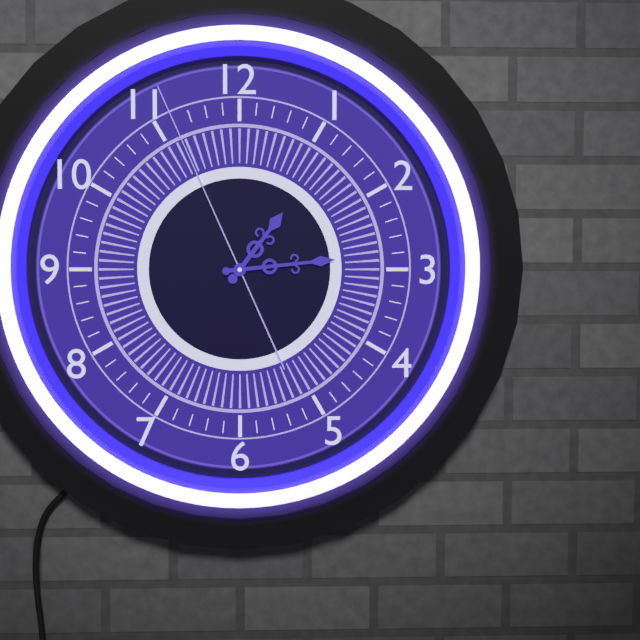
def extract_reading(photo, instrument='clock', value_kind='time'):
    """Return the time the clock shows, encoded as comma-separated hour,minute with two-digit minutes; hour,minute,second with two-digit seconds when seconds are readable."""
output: 1,14,56
